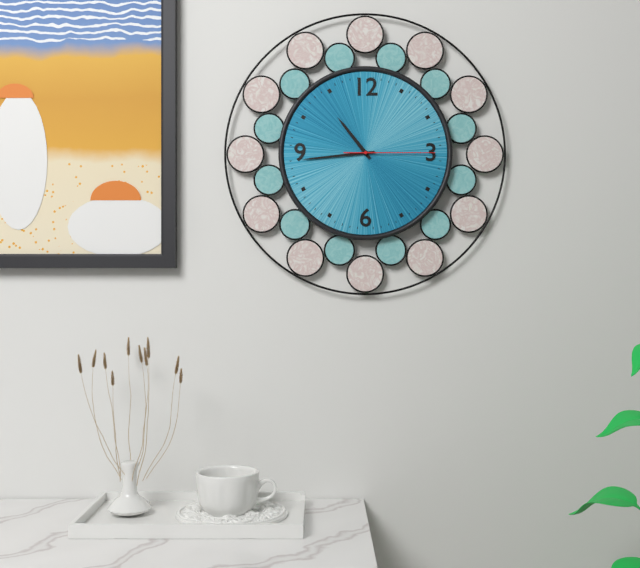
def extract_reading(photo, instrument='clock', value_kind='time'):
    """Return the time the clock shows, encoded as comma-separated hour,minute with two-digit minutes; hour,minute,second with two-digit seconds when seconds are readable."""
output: 10,44,15
